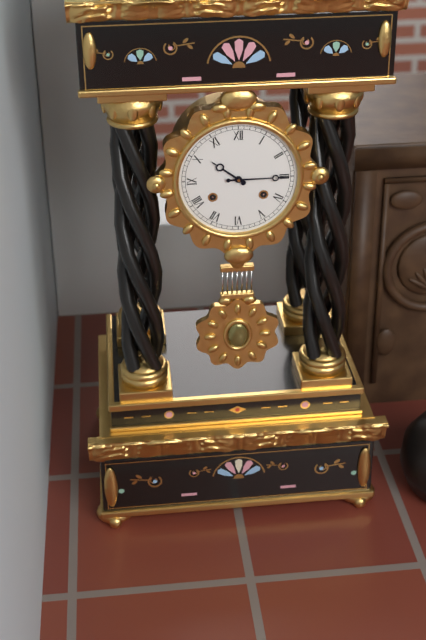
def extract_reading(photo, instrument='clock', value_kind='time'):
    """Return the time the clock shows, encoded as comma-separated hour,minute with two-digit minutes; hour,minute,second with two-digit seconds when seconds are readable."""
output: 10,15
